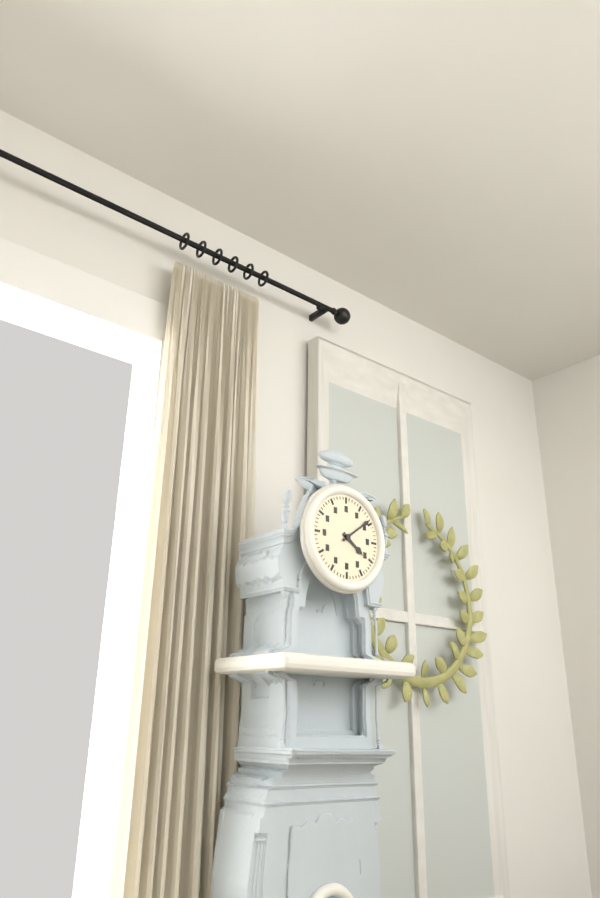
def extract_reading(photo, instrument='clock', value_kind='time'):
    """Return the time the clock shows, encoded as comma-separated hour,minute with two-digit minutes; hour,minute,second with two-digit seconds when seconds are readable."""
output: 4,09
